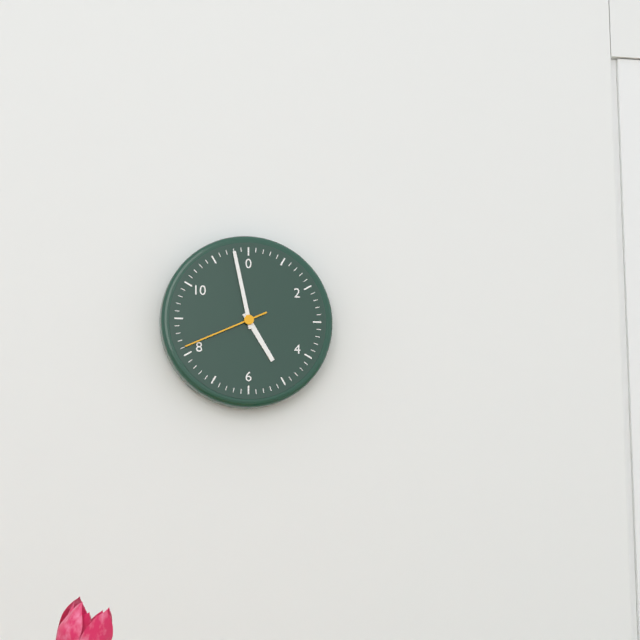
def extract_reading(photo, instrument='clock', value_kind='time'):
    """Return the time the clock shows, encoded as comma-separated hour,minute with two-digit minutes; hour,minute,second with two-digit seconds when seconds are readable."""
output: 4,58,41
